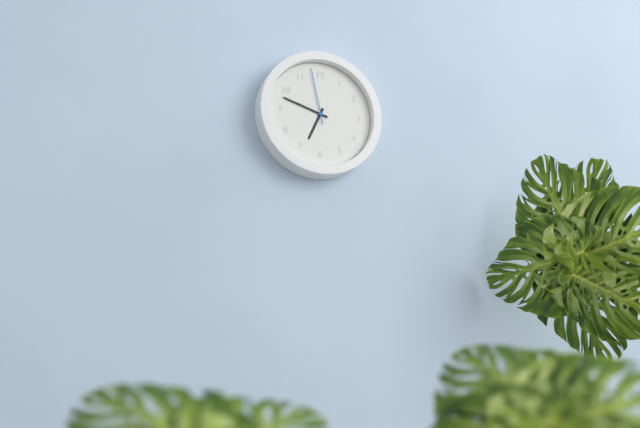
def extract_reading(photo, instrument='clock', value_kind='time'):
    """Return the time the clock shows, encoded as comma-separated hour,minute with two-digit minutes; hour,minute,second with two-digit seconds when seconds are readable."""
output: 6,48,58
